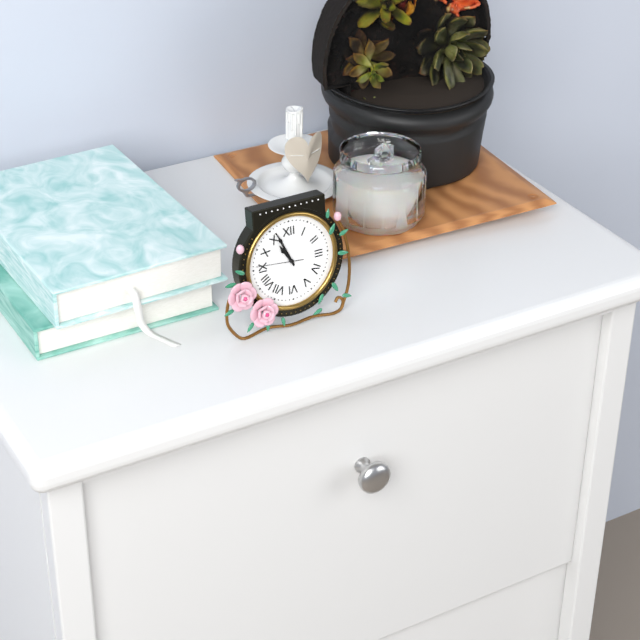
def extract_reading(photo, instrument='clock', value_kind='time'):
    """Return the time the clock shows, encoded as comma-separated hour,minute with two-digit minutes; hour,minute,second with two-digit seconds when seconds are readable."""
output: 10,56
